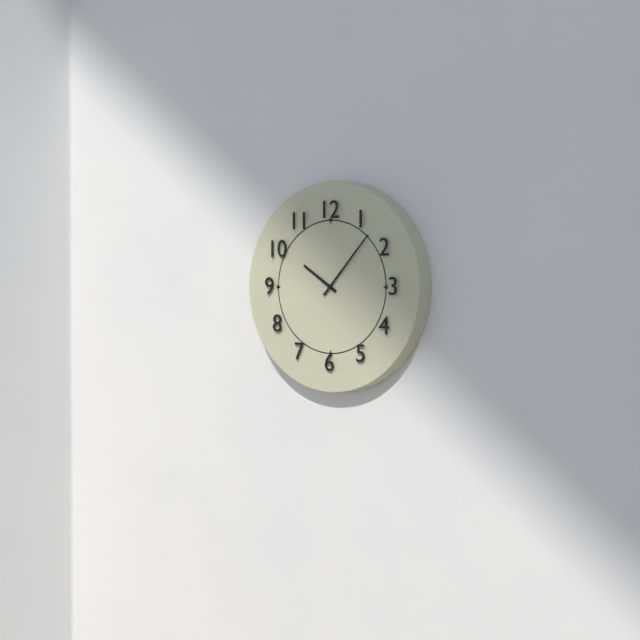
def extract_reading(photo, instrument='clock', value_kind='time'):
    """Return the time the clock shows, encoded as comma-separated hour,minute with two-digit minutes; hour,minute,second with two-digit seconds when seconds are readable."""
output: 10,07
